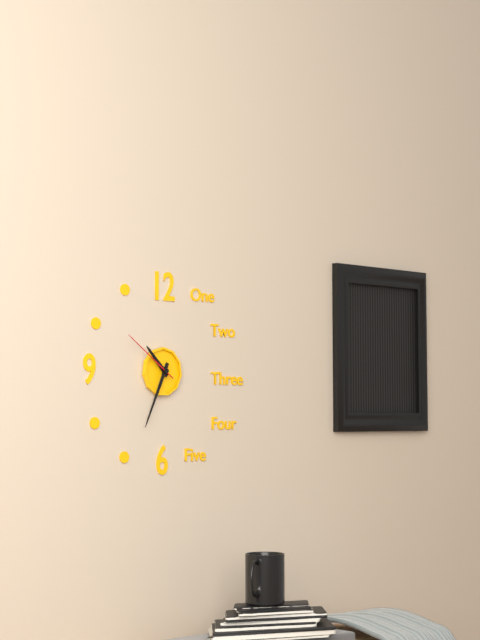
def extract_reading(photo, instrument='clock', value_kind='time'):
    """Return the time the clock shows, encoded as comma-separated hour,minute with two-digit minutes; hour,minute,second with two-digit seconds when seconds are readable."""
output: 10,34,51
